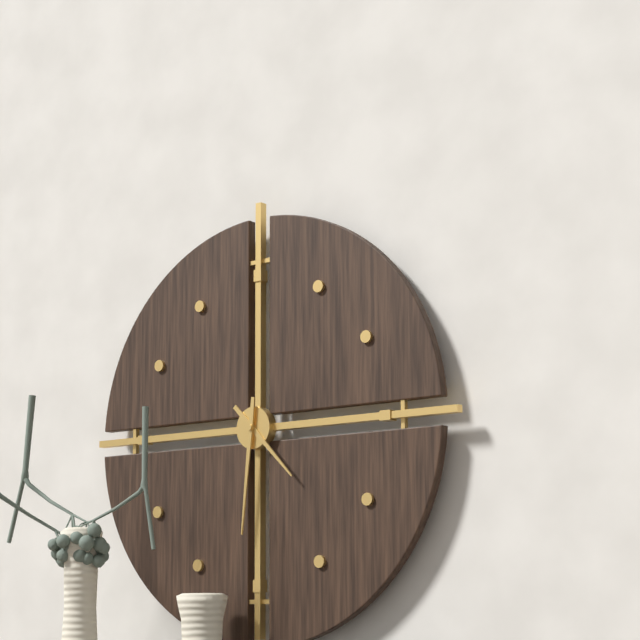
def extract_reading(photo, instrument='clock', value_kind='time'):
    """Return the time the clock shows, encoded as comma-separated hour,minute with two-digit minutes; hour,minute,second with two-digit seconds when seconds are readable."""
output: 4,31
